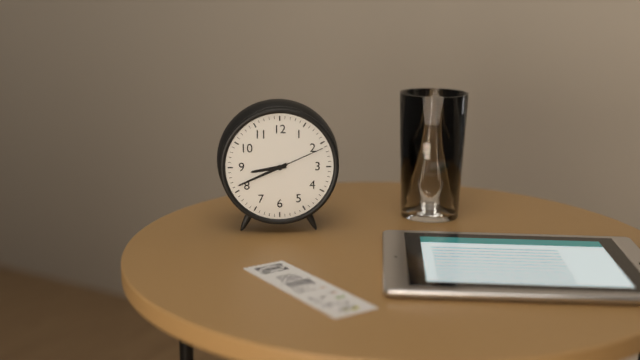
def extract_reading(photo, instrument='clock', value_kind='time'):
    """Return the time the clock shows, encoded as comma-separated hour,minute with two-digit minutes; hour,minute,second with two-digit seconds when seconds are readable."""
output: 8,41,11
